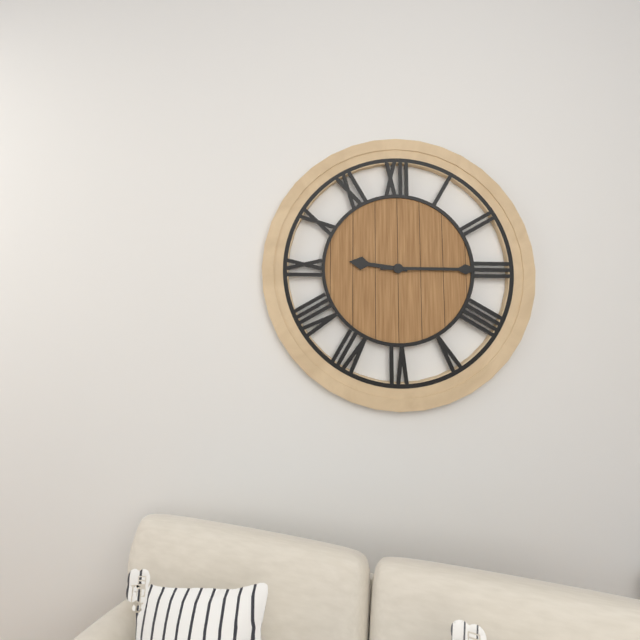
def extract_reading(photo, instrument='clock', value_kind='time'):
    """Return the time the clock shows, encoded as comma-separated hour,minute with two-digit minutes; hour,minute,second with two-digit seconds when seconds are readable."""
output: 9,15
